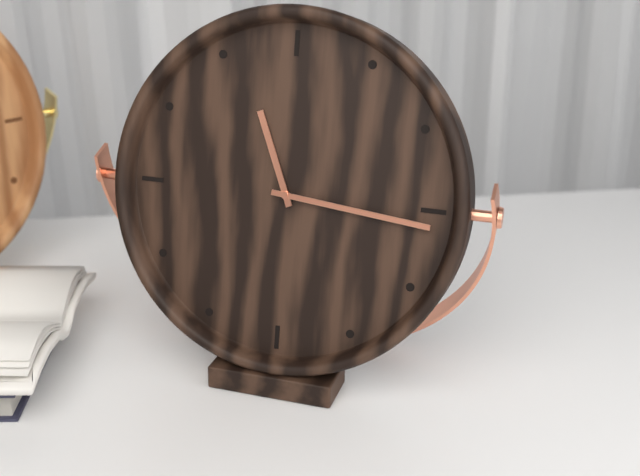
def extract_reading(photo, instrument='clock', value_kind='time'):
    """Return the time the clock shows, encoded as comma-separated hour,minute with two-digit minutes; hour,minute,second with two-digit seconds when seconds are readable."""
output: 11,16
